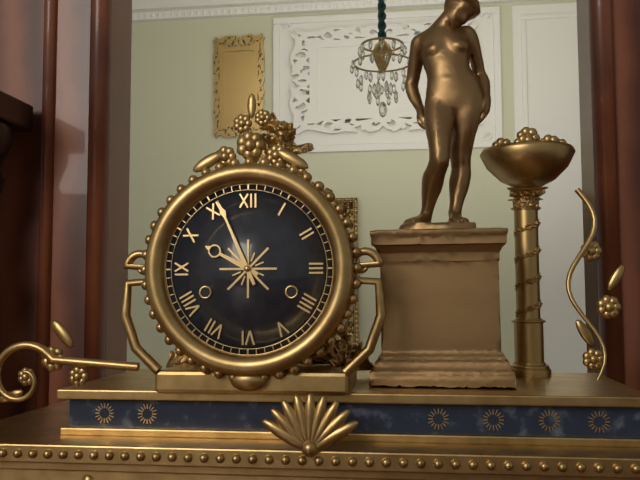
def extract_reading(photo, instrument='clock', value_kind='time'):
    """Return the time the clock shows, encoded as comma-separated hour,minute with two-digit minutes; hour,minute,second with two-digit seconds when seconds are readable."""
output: 9,56
